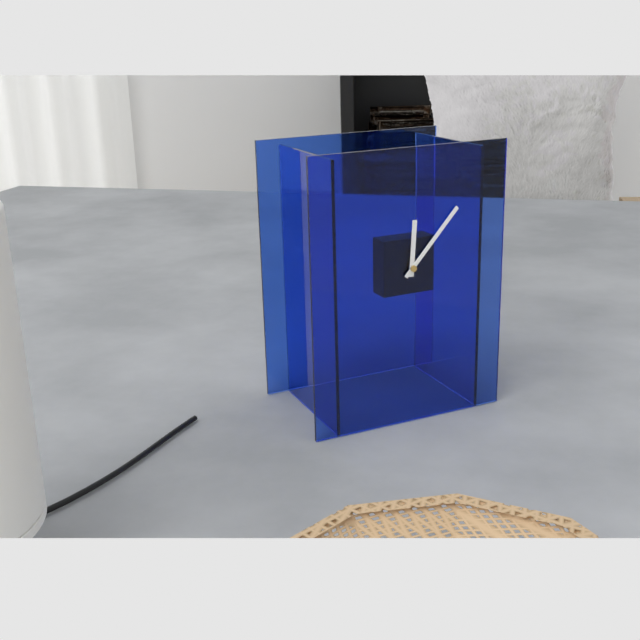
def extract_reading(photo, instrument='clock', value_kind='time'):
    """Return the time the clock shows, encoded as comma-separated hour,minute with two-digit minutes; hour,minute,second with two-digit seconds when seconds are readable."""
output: 12,07
